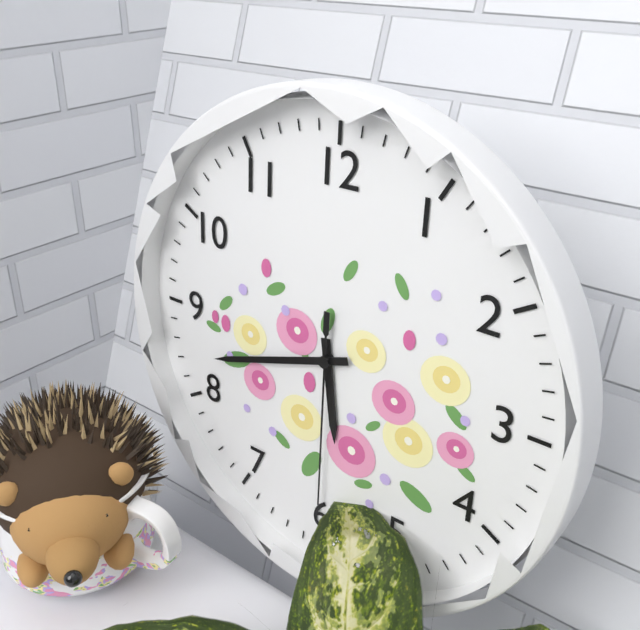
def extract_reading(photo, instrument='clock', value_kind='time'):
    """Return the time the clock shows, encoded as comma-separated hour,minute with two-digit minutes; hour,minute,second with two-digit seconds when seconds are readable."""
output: 5,42,30
